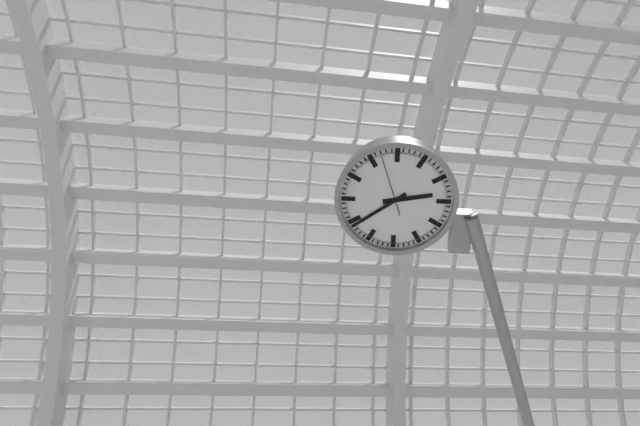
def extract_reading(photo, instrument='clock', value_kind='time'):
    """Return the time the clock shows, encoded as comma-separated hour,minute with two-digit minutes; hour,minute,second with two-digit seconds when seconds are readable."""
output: 2,39,57
